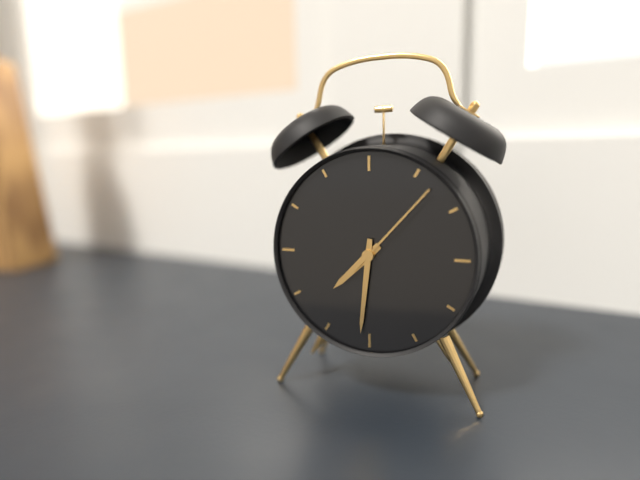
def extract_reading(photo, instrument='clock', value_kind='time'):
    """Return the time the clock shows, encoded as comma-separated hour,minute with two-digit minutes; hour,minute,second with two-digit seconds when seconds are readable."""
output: 7,31,07
